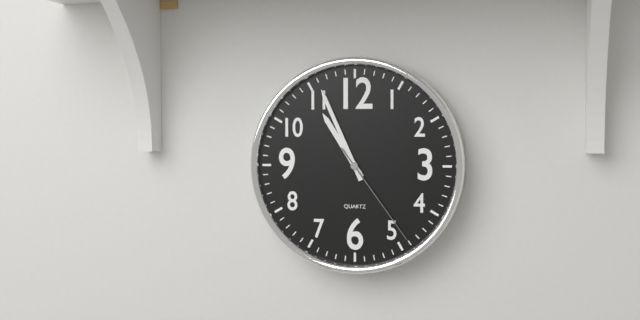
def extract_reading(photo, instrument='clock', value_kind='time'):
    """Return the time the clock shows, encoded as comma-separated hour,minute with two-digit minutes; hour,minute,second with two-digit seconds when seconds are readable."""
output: 10,56,24
